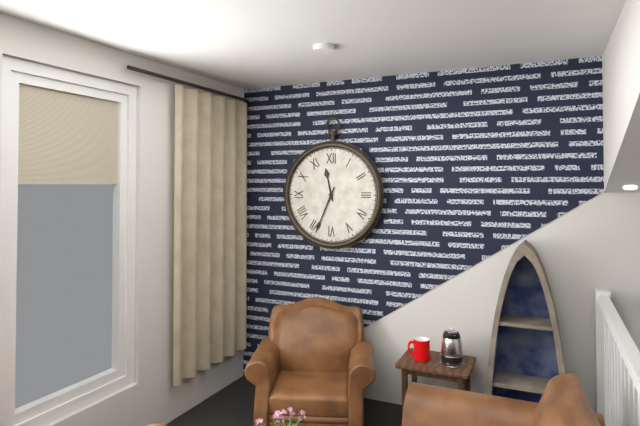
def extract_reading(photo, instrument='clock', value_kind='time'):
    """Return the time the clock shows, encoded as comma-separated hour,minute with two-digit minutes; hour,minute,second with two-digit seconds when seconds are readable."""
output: 11,34
